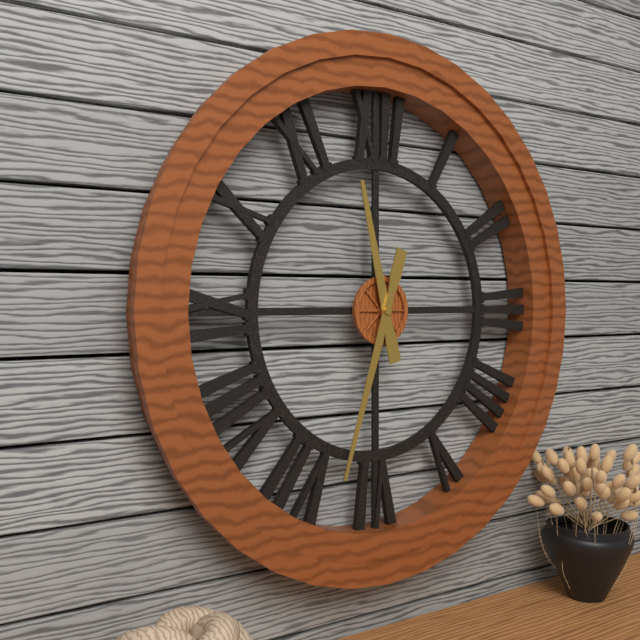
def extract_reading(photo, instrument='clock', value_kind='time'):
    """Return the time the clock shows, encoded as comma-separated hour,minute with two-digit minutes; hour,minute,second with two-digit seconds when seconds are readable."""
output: 11,33
